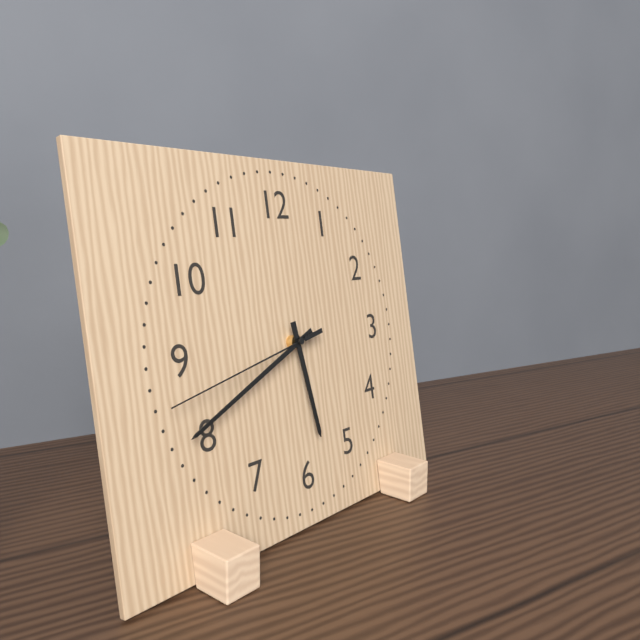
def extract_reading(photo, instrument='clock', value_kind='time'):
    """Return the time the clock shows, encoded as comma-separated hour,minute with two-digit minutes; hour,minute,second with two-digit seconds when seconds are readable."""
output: 5,41,43
